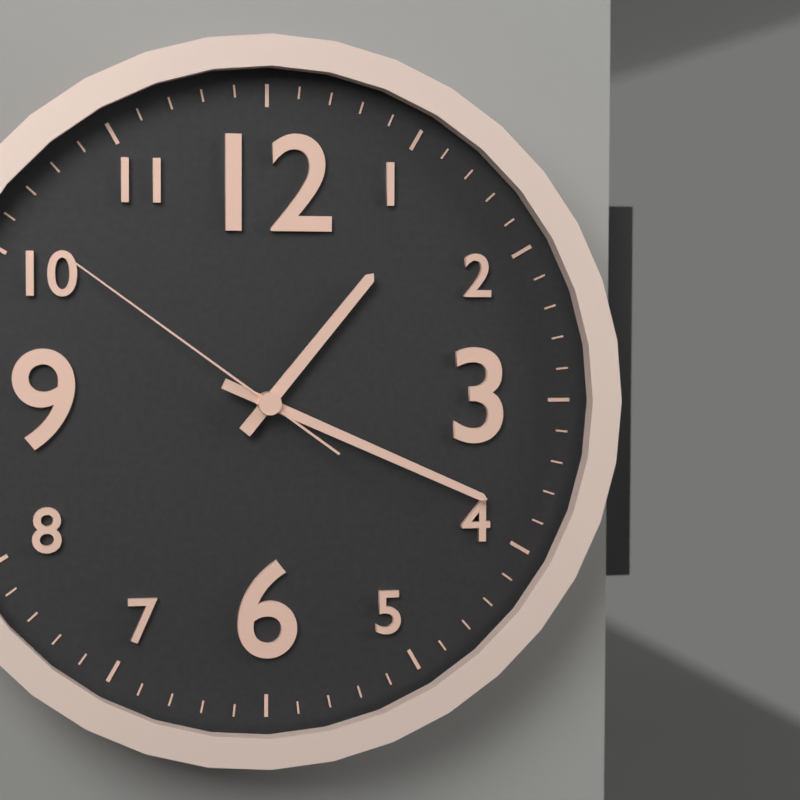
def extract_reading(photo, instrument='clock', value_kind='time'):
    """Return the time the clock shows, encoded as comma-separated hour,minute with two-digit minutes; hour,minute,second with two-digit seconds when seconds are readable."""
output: 1,19,51
